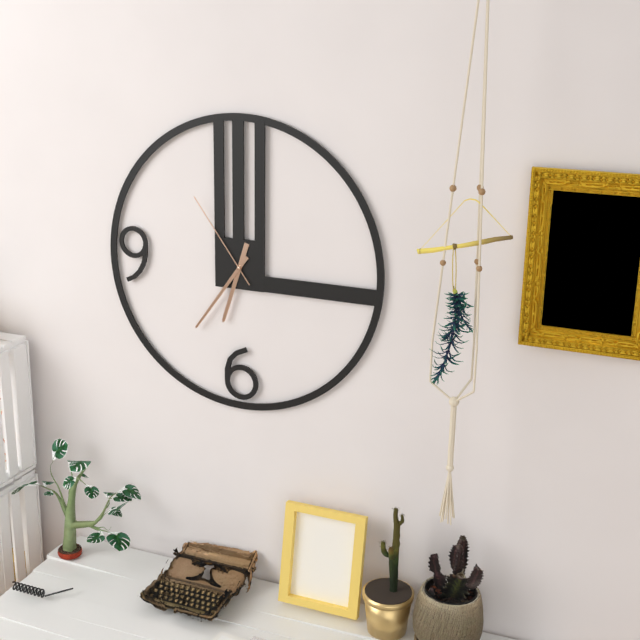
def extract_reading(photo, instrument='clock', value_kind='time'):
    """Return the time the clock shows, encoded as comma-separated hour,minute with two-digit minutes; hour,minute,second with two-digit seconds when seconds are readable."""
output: 6,36,54
